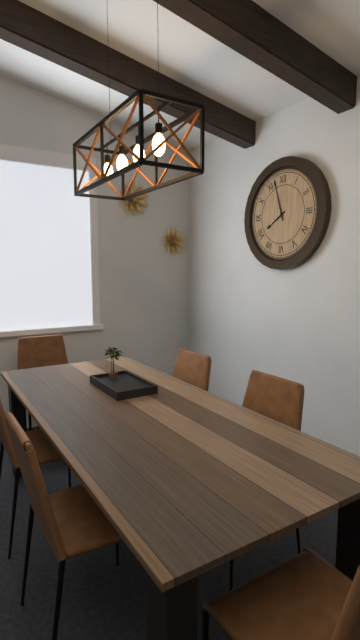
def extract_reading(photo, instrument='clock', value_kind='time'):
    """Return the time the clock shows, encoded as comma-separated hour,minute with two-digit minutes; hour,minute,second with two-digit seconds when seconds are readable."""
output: 7,57
